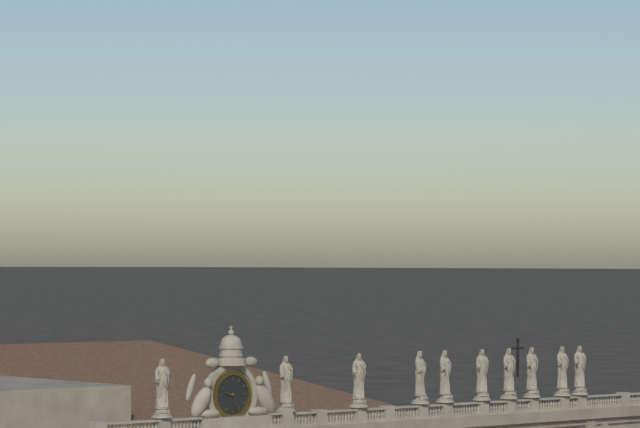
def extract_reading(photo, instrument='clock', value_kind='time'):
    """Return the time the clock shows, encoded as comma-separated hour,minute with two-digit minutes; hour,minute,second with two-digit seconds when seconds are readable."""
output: 9,27
